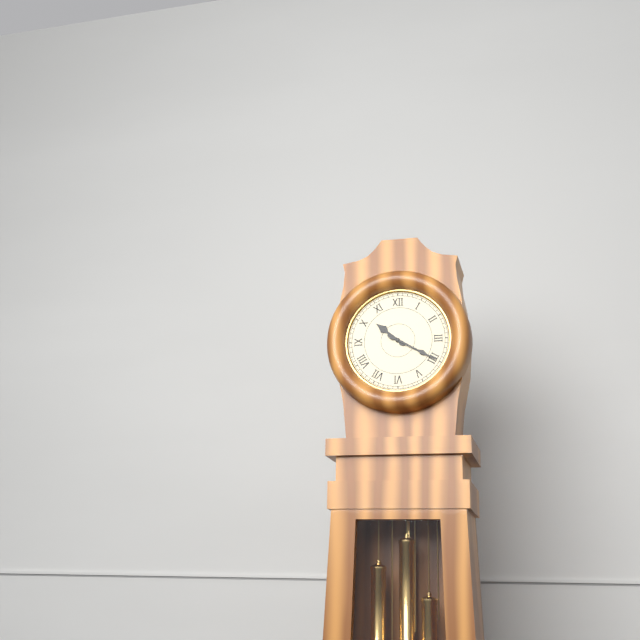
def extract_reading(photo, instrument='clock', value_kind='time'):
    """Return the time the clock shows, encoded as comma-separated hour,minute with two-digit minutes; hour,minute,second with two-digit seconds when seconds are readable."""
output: 10,20
